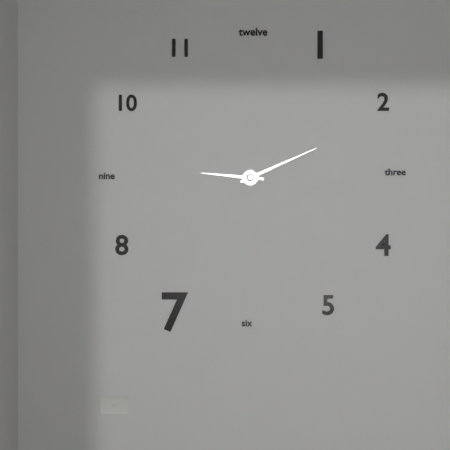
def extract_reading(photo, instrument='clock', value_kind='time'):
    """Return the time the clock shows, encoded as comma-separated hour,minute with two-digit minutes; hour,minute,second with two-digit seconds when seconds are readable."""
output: 9,11
